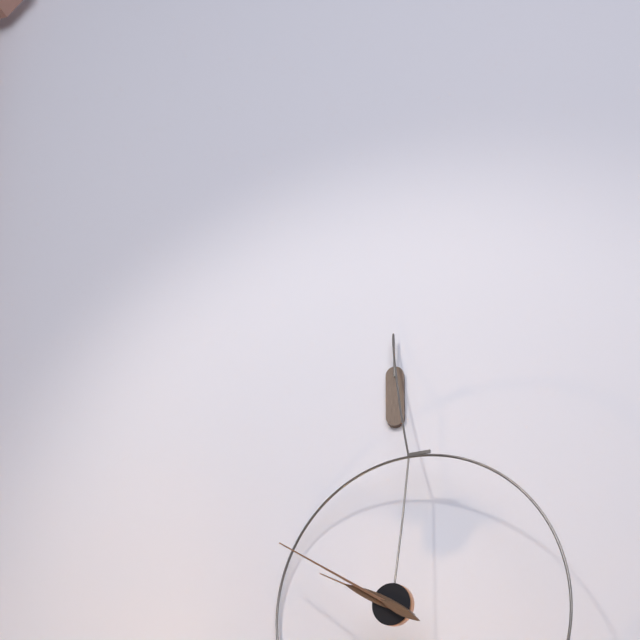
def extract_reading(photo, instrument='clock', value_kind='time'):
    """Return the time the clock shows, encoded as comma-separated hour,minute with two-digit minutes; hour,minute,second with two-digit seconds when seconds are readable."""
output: 9,50
